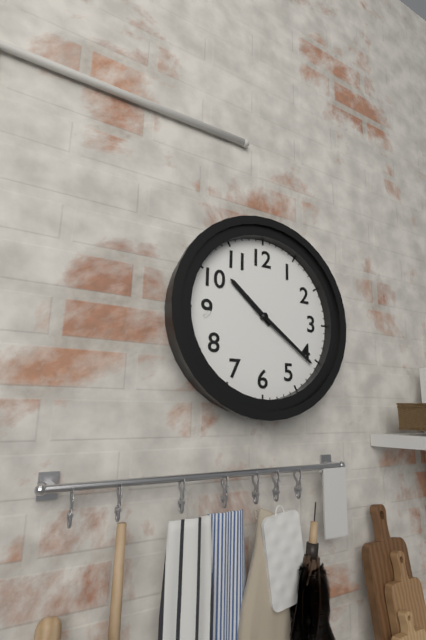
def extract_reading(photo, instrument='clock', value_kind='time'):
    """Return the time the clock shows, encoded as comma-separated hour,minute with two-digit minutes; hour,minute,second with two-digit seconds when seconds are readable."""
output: 10,21
